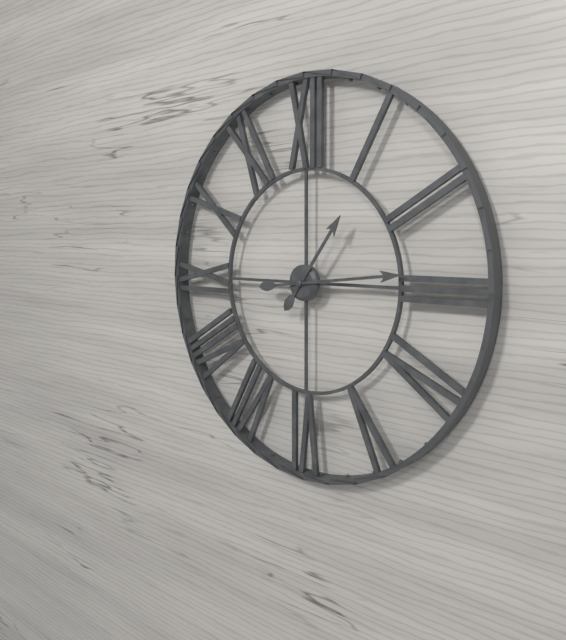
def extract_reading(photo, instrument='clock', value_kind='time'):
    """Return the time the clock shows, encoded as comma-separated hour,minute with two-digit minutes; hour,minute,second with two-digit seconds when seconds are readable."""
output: 1,14
